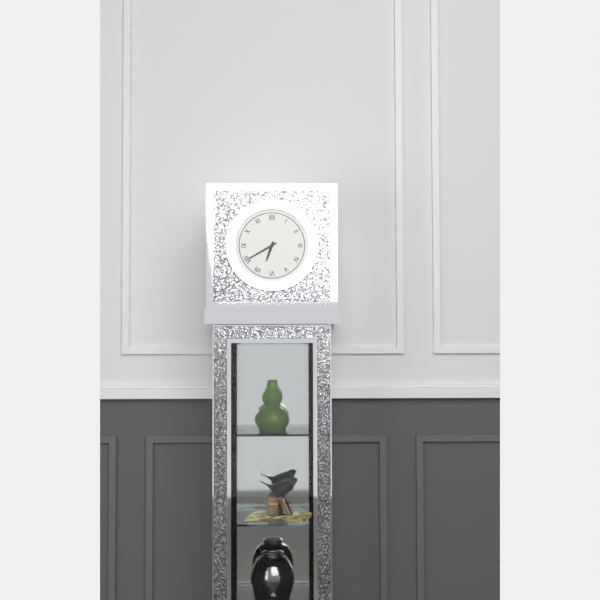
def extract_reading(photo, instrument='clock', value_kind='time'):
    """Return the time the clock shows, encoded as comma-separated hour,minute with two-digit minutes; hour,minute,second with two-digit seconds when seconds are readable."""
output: 6,40
